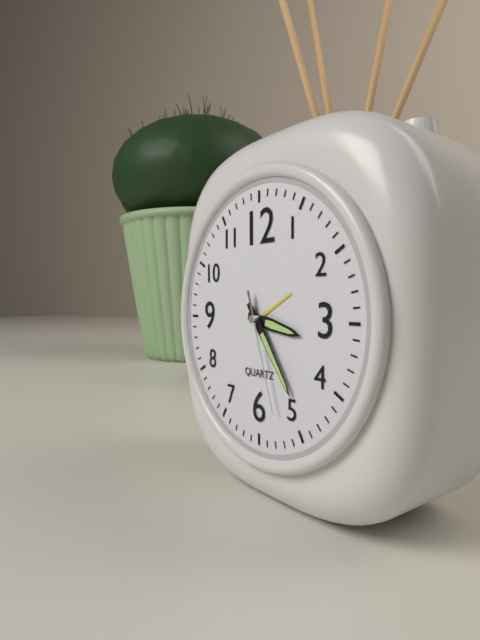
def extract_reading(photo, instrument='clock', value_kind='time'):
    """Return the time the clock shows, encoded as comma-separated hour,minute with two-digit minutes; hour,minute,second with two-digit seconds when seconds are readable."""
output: 3,24,27
